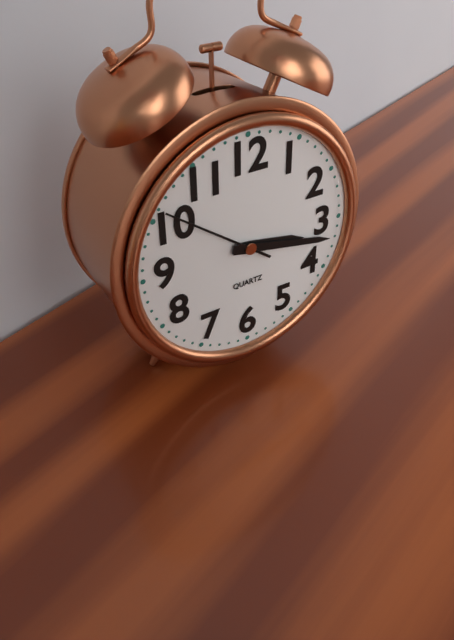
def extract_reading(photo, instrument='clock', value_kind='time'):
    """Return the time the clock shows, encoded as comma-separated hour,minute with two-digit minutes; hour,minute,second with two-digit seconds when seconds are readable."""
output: 3,17,51
